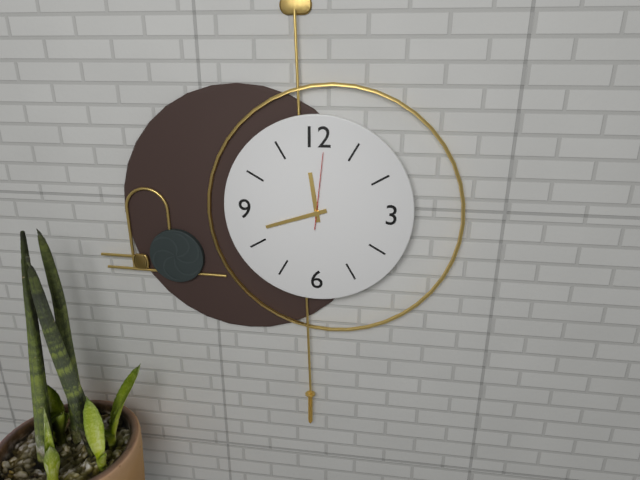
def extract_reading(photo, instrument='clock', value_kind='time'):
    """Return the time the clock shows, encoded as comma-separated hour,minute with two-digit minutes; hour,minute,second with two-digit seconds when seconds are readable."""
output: 11,42,01
